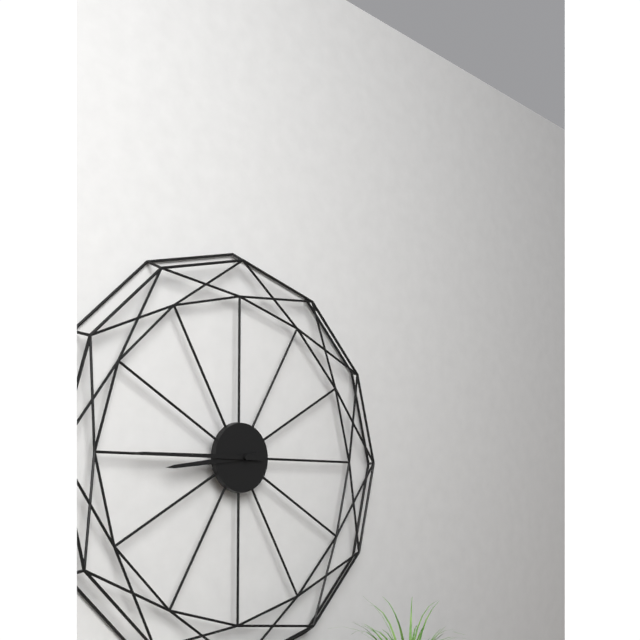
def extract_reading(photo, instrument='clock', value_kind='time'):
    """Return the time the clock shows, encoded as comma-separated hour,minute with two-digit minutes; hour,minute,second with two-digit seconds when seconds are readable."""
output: 8,45
